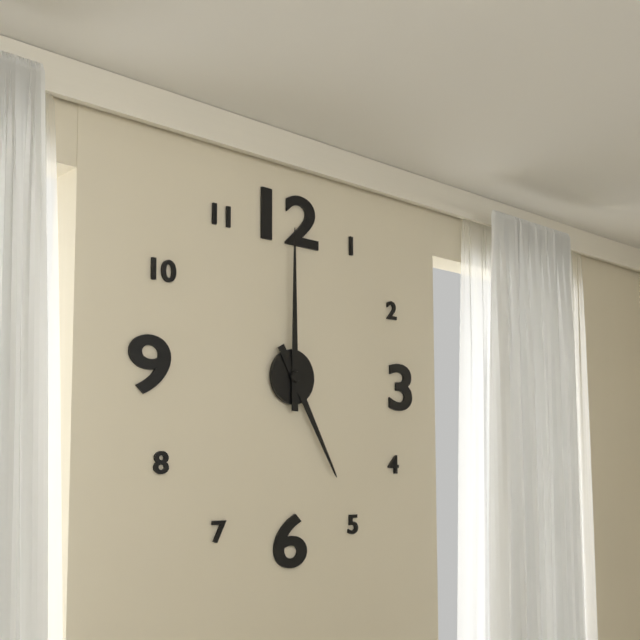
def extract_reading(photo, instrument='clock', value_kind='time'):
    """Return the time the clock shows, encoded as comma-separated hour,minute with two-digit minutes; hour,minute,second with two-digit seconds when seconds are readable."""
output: 5,00
